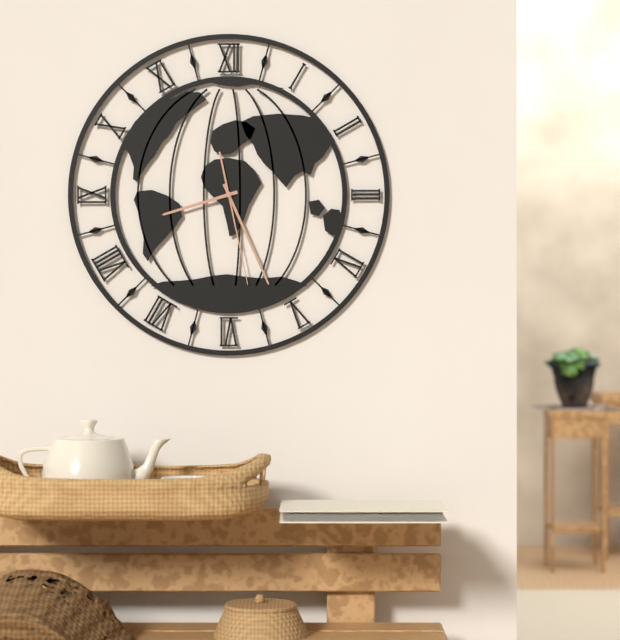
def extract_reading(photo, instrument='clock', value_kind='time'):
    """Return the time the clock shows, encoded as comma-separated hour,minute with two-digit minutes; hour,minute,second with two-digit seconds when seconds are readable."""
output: 8,26,28
